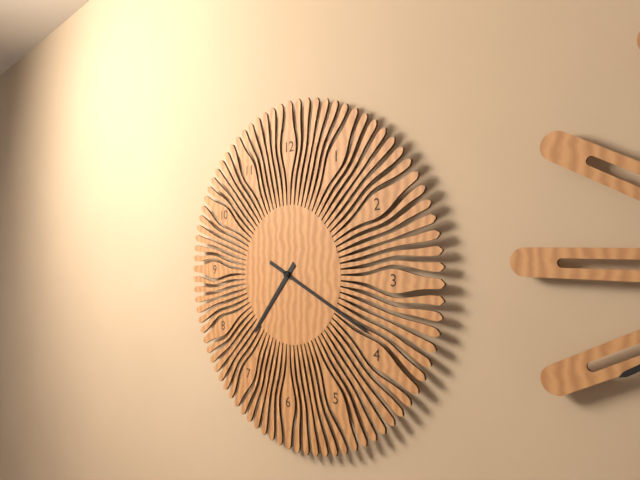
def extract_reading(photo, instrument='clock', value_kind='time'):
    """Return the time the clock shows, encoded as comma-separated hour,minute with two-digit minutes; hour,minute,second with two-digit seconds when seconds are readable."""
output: 7,19
